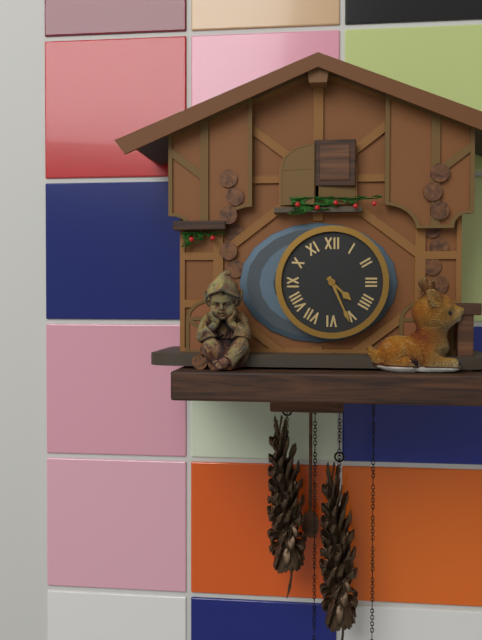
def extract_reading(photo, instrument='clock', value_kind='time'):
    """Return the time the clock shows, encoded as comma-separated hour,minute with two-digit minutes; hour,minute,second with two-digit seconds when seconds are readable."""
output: 4,26
